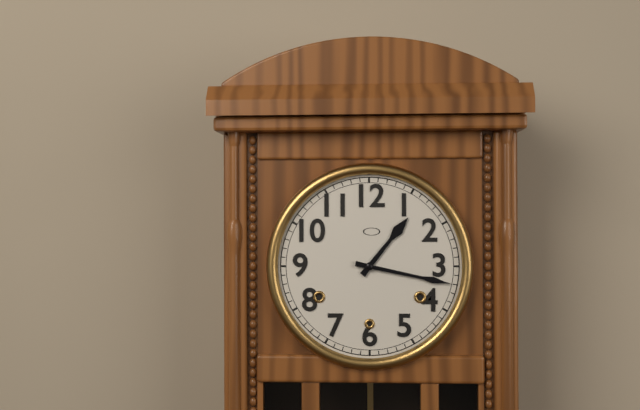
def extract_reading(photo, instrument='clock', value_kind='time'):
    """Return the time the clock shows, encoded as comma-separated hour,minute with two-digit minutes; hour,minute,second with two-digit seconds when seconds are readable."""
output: 1,17
